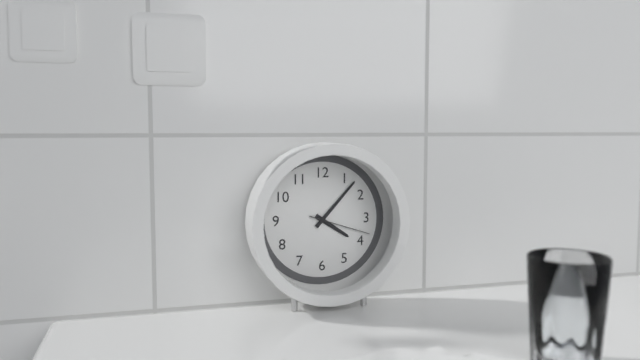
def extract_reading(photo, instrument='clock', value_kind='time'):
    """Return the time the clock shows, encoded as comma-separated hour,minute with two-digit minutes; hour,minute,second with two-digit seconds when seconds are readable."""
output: 4,07,18
